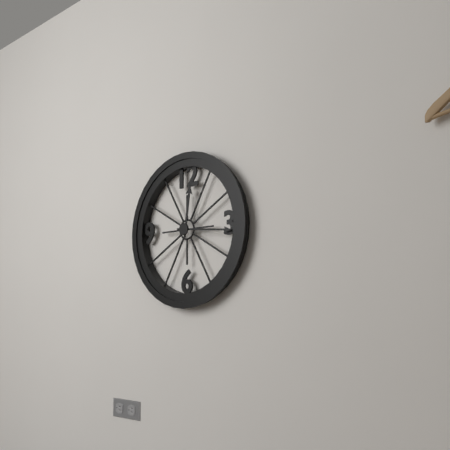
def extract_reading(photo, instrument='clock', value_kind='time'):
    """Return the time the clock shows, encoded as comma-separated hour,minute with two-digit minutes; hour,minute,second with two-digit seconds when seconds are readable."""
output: 12,16
